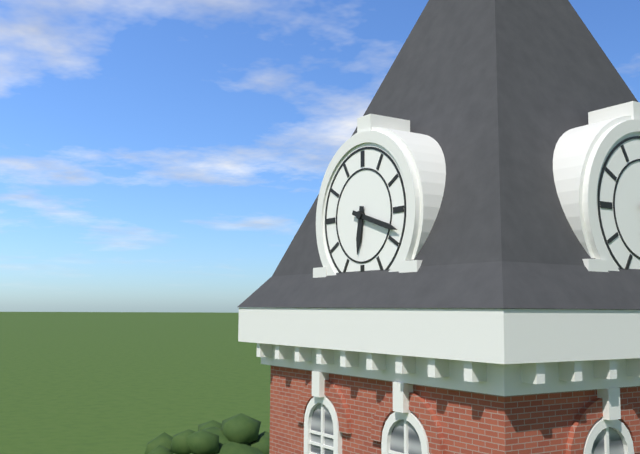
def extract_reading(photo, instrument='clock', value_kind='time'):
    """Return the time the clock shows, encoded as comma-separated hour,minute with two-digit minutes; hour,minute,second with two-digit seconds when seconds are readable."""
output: 6,18
